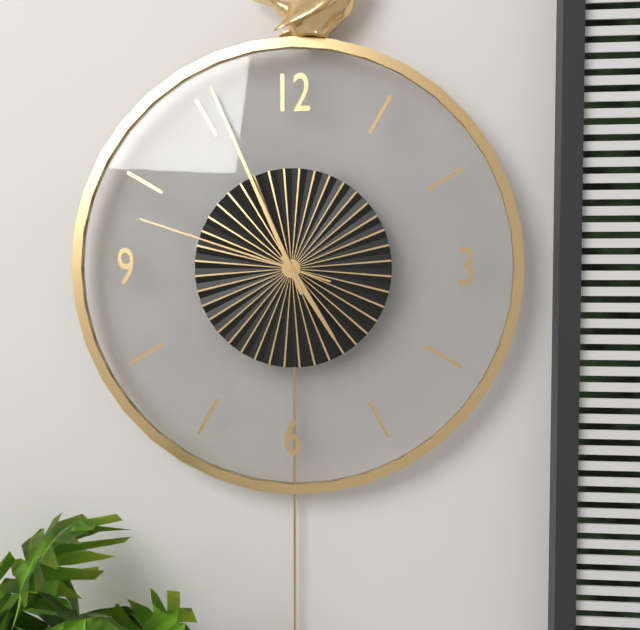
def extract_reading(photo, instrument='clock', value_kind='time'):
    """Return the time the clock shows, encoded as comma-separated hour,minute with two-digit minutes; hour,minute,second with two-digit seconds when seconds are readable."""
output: 4,56,48
